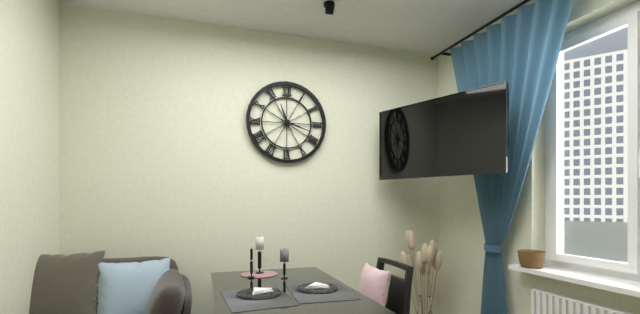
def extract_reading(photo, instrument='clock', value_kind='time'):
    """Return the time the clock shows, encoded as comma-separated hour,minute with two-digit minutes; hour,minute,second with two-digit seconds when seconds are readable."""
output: 11,18
